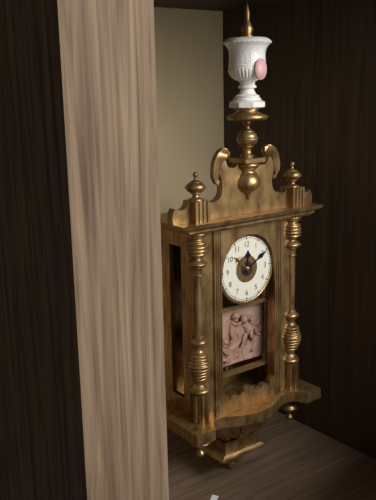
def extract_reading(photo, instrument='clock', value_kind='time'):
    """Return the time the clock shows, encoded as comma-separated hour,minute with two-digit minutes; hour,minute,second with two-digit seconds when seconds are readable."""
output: 12,10
